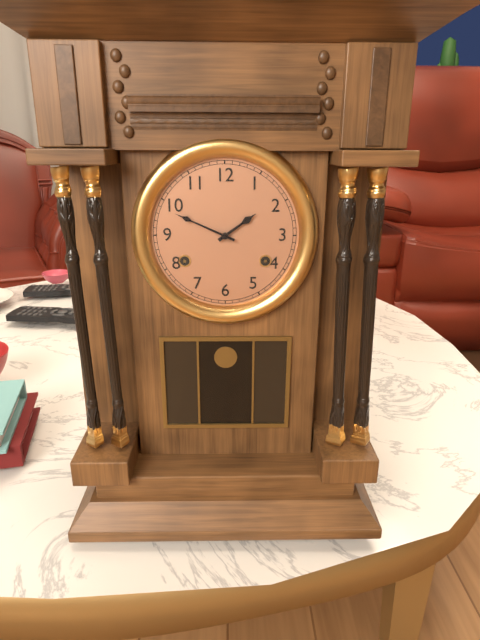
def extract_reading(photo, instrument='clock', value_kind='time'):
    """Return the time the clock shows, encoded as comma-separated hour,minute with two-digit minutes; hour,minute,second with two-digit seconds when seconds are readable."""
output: 1,49
